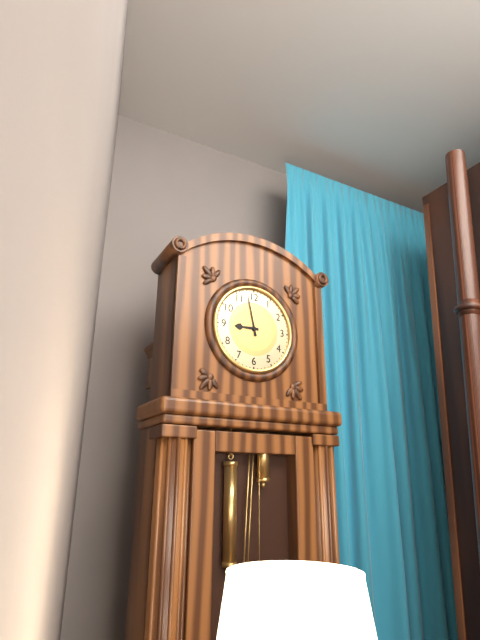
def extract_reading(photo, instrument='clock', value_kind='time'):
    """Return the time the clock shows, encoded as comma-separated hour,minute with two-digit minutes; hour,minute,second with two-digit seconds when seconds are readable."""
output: 8,58
